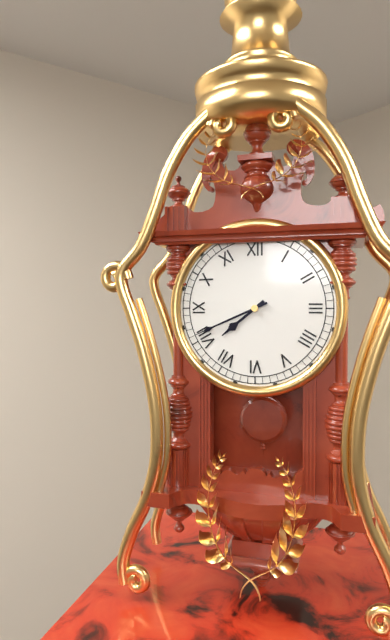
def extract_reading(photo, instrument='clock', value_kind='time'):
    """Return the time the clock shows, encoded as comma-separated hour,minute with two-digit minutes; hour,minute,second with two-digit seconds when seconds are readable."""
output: 7,41
